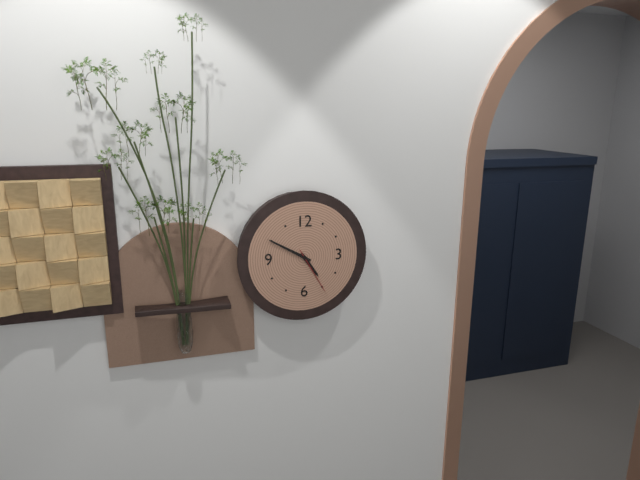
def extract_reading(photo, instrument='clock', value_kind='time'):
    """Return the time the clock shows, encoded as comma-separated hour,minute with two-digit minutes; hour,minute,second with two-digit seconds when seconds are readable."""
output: 4,50,25
